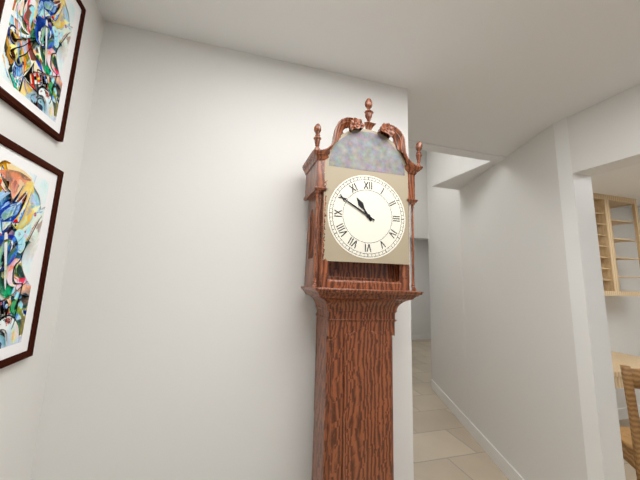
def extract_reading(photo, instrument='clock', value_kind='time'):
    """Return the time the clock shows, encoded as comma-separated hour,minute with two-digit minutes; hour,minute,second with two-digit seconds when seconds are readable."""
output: 10,50
